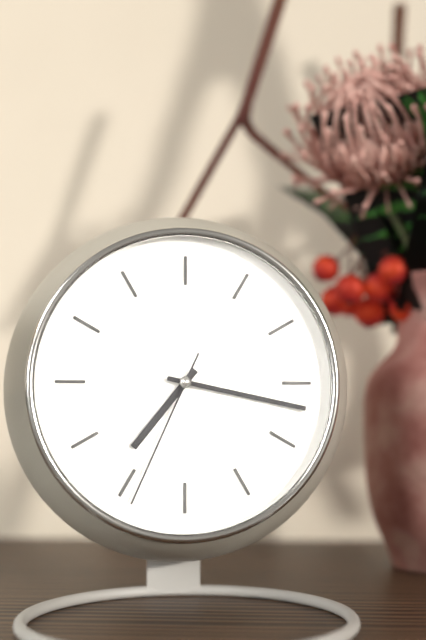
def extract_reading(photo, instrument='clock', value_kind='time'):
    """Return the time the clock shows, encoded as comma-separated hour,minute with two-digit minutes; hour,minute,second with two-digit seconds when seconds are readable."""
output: 7,17,34
